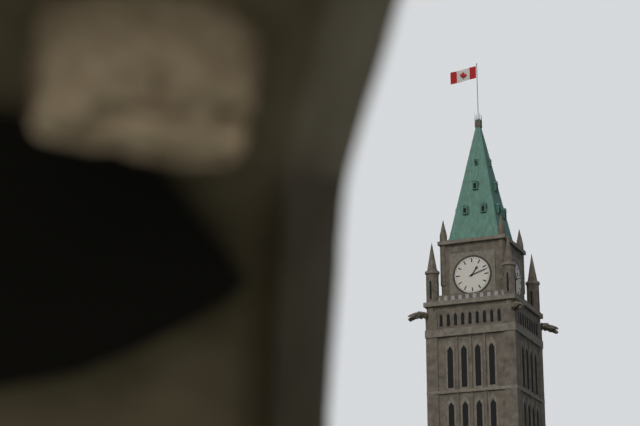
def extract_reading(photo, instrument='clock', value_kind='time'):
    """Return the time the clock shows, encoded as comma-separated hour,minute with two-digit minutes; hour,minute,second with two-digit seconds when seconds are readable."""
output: 1,12
